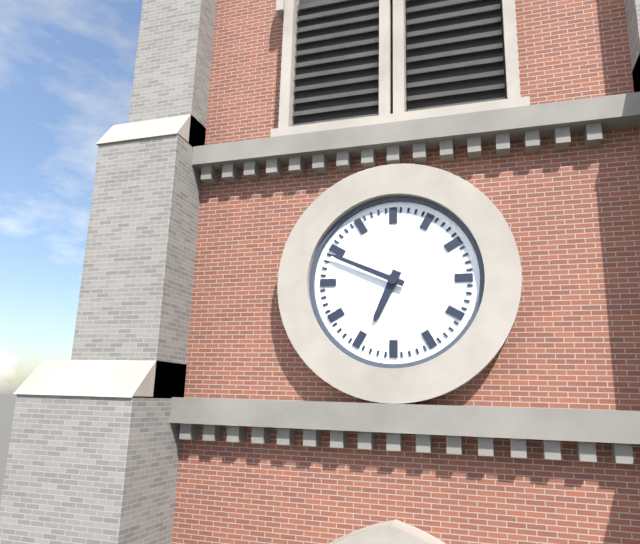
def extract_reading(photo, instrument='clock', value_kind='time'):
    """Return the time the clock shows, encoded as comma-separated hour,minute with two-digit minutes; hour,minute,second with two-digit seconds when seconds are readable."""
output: 6,49
